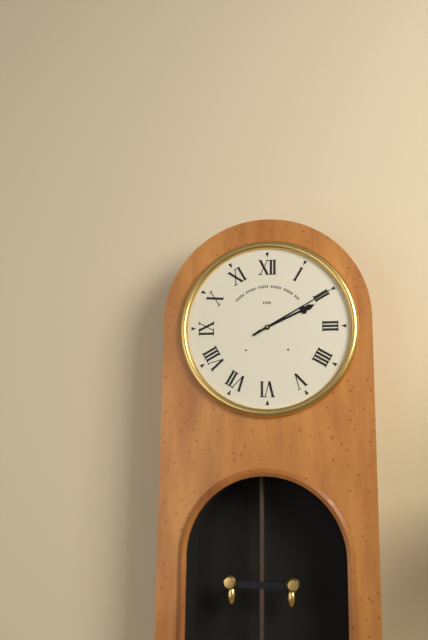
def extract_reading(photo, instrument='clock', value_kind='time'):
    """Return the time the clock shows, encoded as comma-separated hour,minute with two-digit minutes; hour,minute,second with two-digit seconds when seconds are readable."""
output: 2,10
